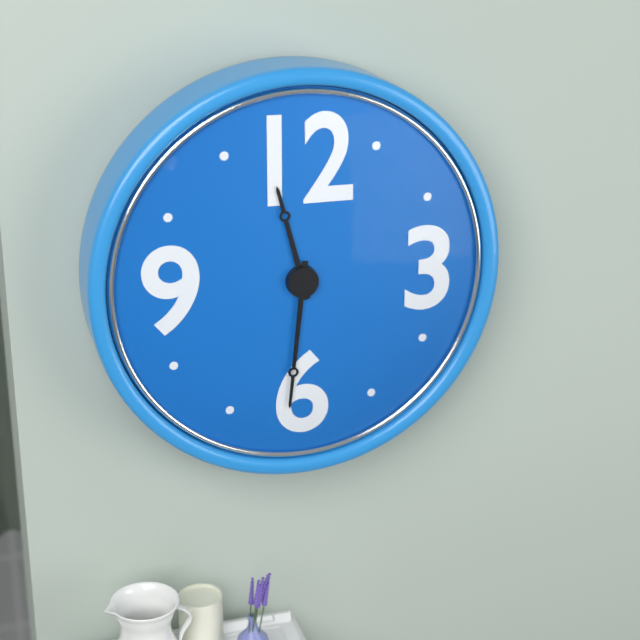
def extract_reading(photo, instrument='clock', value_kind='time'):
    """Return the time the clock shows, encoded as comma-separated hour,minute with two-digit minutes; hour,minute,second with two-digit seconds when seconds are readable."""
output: 11,31
